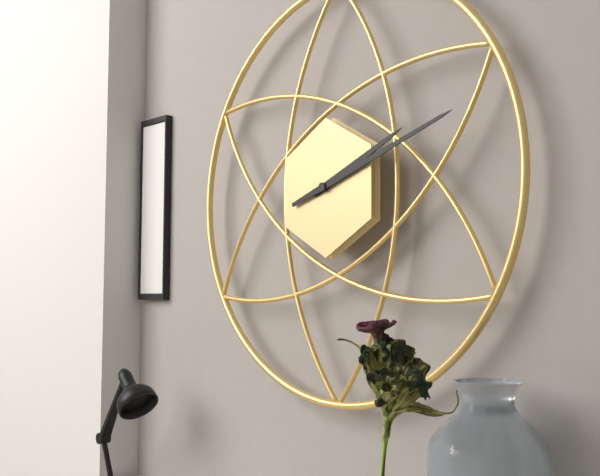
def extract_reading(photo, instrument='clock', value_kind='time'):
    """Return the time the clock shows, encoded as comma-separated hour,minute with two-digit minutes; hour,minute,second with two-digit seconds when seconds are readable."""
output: 2,12
